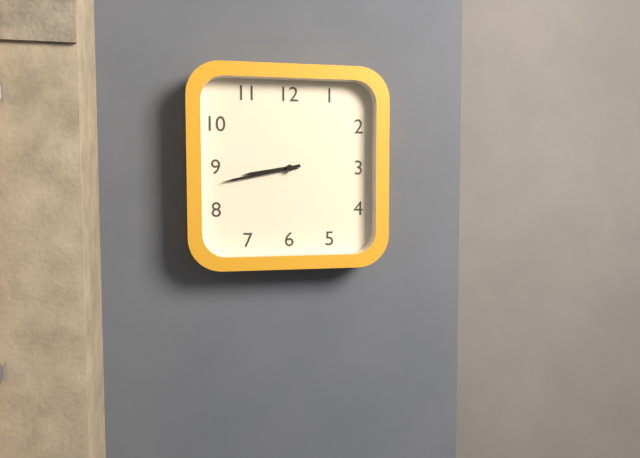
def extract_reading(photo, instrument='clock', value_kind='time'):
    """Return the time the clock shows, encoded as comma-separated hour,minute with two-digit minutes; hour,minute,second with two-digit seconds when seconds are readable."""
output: 8,43
